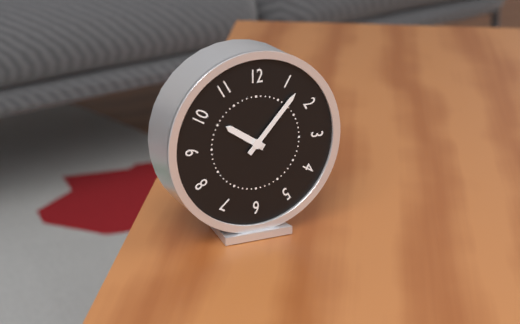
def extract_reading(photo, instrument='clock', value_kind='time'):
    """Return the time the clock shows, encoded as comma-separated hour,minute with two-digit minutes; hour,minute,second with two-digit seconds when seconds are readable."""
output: 10,07
